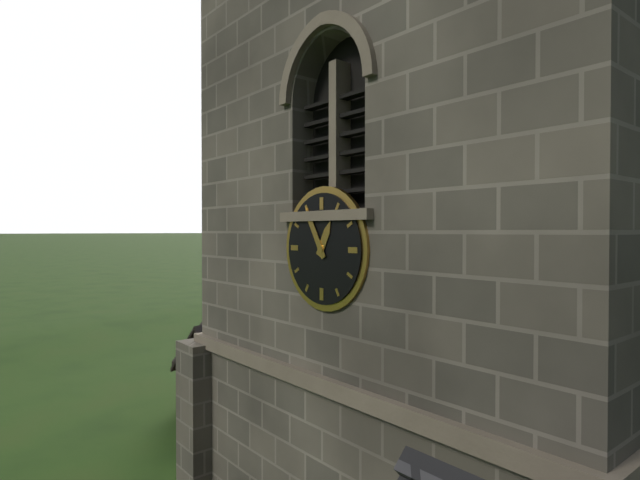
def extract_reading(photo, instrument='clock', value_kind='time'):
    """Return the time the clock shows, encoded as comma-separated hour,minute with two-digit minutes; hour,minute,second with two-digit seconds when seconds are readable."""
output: 12,55
